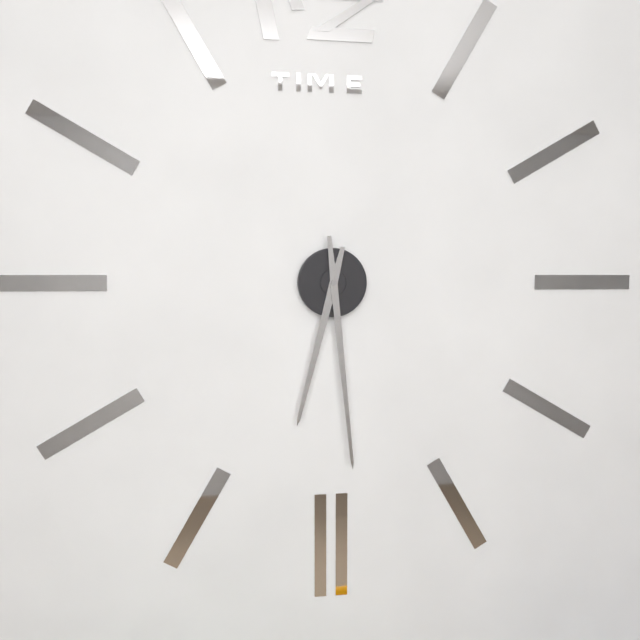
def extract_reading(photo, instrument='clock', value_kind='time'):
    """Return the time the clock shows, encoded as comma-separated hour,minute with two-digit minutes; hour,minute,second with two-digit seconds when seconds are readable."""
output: 6,29
